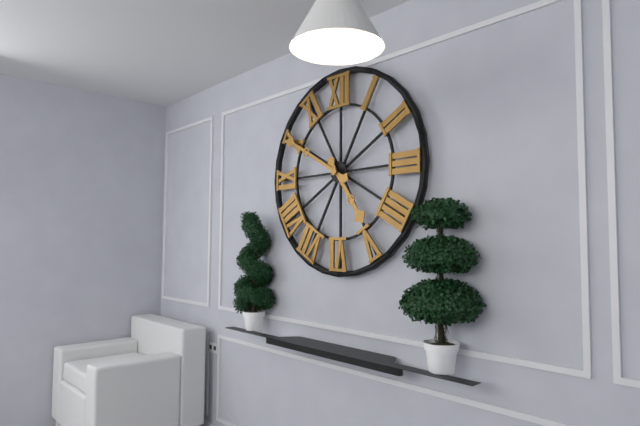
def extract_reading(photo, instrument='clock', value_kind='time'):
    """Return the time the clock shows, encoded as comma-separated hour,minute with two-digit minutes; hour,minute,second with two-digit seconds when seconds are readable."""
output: 4,50
